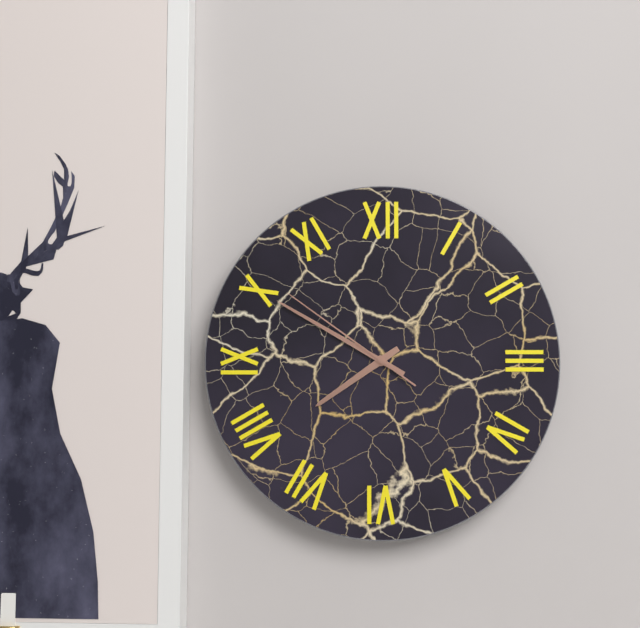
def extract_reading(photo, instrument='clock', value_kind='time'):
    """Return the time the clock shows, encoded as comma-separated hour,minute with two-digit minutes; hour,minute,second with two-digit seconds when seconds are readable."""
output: 7,50,51
